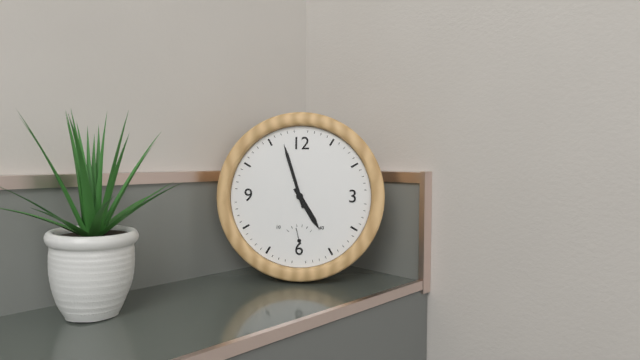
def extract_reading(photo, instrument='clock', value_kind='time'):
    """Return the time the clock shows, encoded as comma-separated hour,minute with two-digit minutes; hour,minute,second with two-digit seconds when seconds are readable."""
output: 4,57
